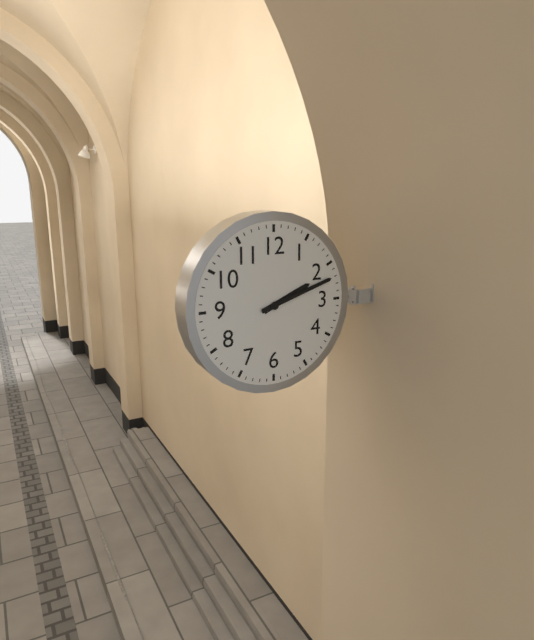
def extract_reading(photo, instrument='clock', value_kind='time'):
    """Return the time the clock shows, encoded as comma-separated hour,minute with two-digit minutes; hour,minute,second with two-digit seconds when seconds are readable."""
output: 2,12
